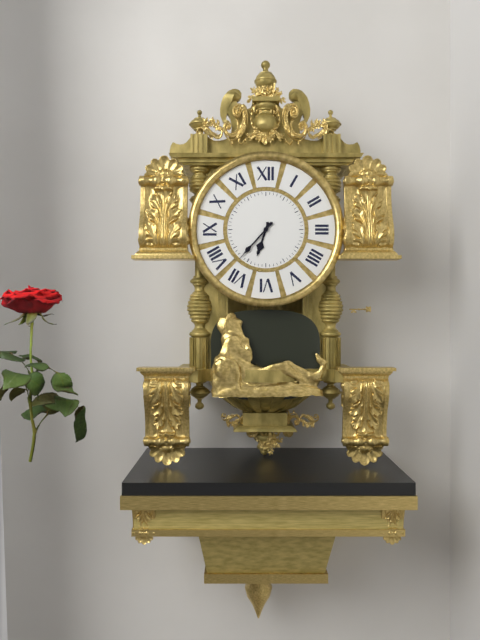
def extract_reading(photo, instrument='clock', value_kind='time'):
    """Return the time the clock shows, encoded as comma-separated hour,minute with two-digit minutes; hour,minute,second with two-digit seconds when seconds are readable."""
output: 6,37
